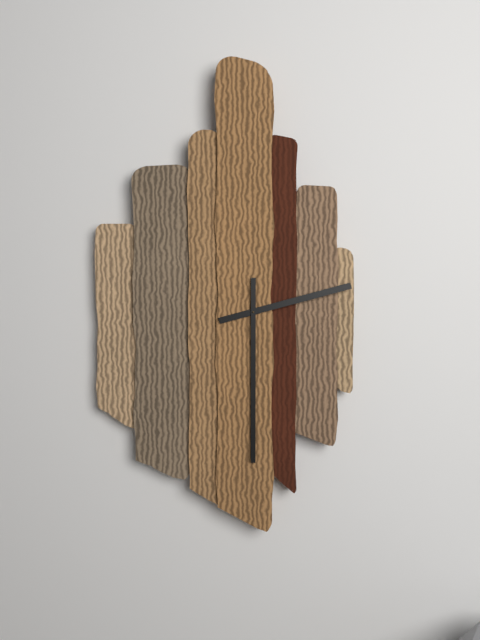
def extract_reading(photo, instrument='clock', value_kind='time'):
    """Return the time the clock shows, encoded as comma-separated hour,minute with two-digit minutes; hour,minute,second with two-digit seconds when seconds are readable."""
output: 2,30
